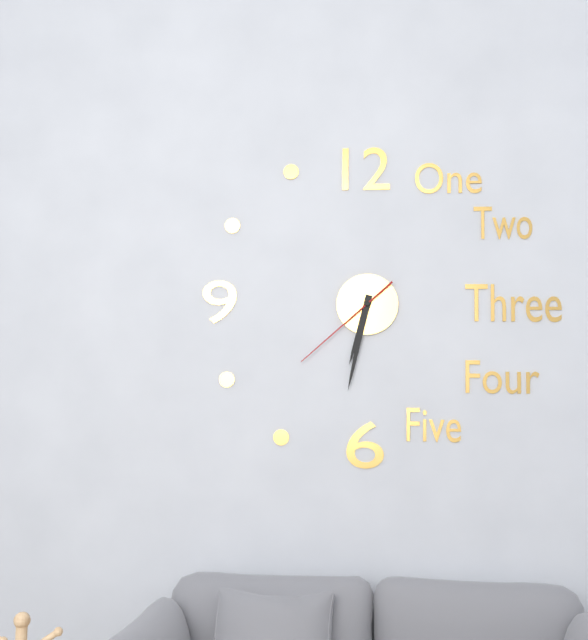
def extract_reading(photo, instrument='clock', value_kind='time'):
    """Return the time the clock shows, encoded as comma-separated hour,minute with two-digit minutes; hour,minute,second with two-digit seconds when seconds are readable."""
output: 6,32,38
